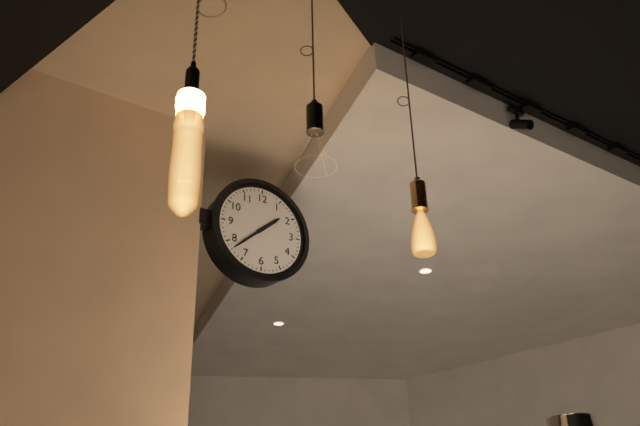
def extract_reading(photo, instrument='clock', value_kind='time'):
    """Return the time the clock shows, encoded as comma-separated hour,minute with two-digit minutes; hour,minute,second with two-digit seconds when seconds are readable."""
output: 1,38
